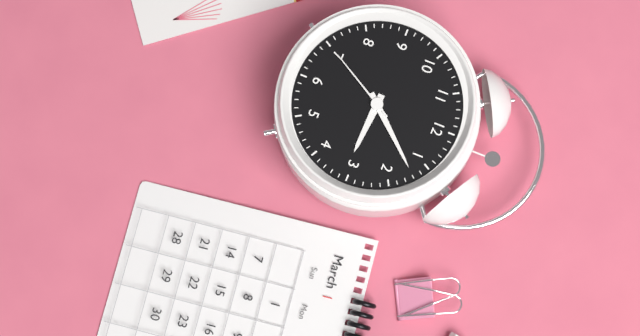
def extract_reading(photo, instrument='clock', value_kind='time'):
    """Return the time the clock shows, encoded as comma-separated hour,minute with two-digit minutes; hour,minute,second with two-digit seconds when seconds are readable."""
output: 3,07,35
